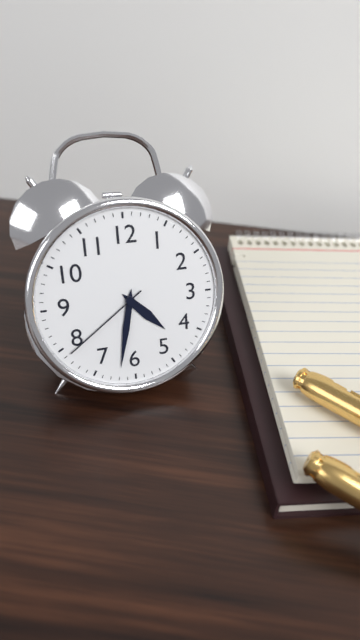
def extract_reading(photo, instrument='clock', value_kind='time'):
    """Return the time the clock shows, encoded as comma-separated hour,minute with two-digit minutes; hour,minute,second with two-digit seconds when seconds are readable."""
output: 4,32,39
